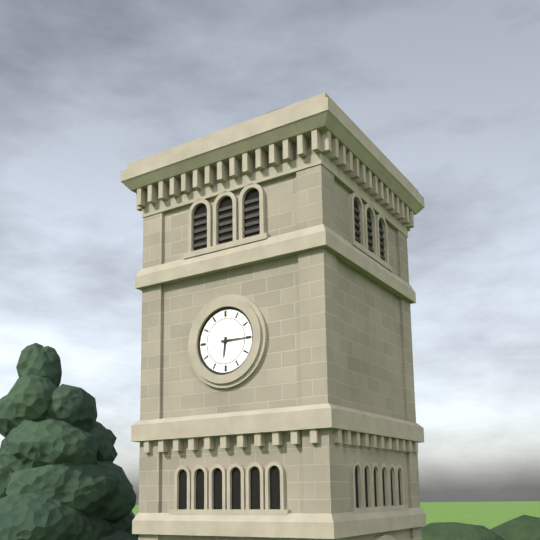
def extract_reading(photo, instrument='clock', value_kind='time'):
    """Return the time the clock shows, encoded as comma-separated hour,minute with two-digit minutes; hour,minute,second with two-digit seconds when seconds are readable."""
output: 6,15
